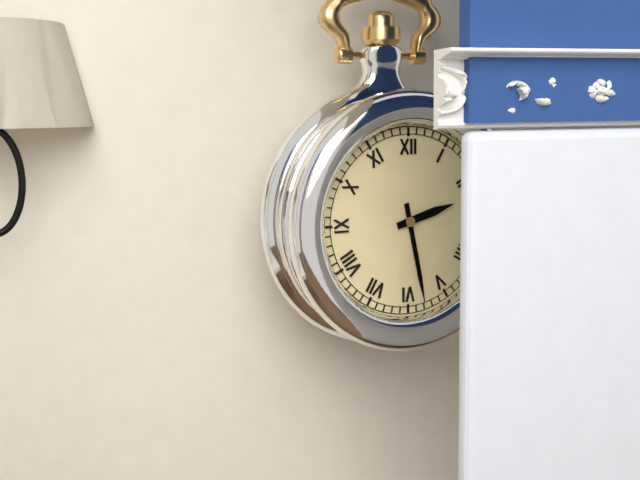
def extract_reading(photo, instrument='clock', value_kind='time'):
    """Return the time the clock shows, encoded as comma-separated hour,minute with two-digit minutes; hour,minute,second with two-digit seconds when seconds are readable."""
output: 2,28
